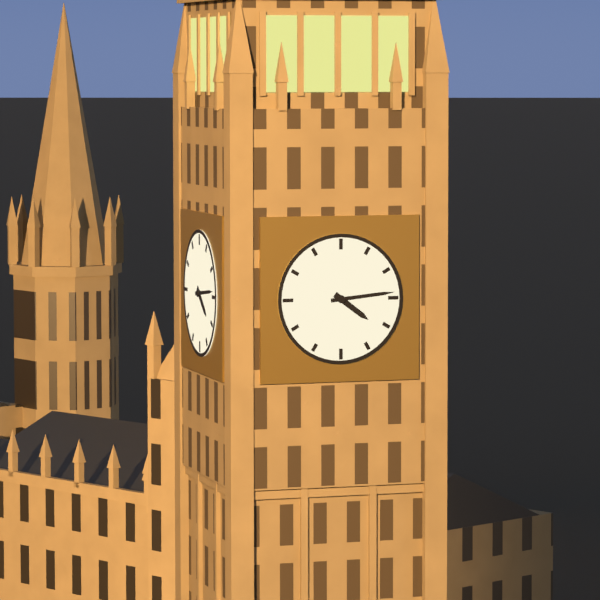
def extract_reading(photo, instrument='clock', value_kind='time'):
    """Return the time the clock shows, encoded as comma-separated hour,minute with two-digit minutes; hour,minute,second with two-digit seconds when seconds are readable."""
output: 4,14
